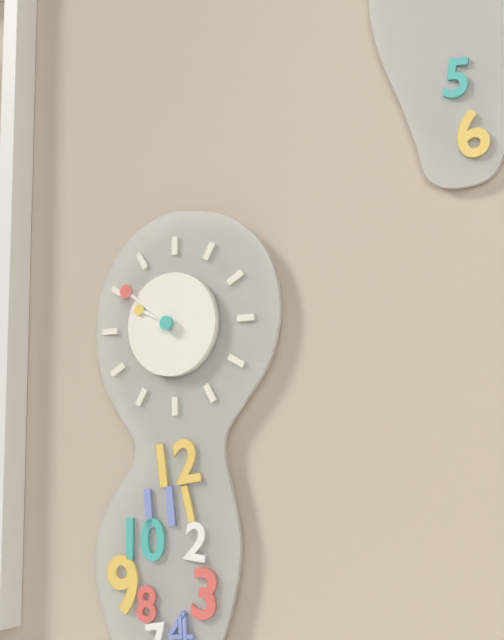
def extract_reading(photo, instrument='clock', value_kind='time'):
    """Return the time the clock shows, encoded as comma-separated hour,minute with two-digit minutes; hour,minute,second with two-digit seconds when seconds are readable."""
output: 9,51
